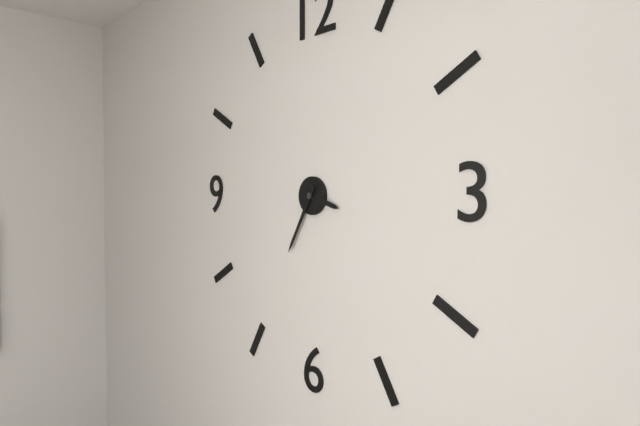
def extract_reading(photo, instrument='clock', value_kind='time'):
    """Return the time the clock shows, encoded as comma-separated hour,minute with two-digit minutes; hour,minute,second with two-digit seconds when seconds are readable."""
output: 3,35
